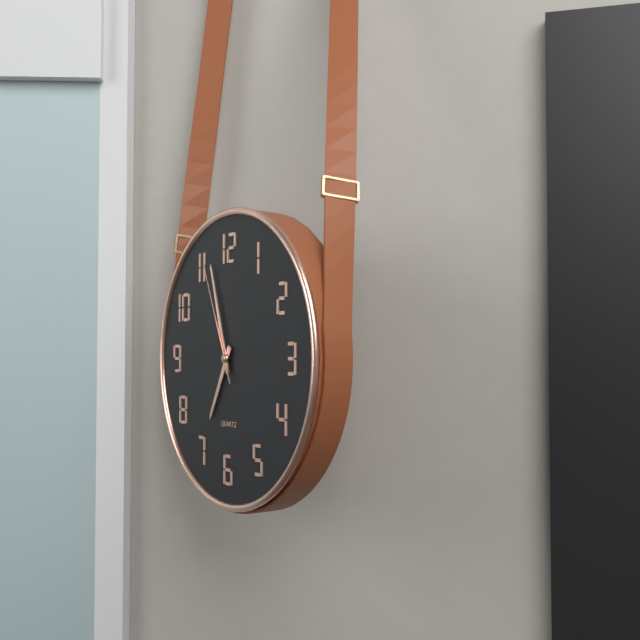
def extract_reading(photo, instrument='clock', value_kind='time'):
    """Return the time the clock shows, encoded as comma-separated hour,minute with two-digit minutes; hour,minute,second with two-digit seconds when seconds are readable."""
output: 6,57,56
